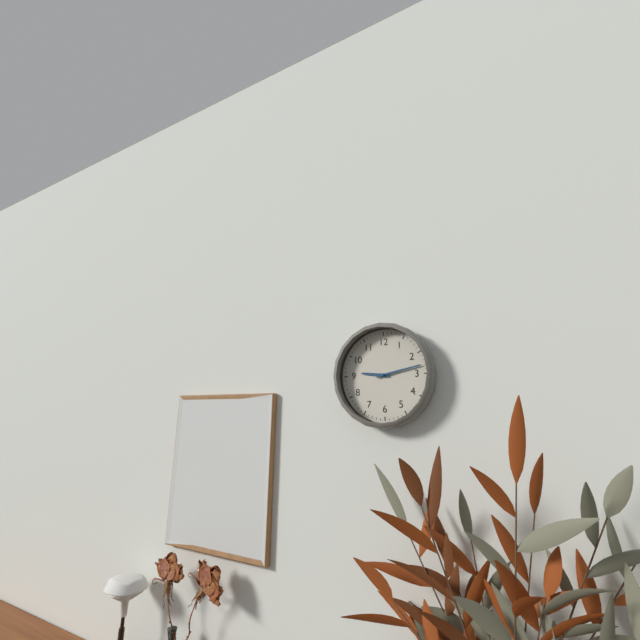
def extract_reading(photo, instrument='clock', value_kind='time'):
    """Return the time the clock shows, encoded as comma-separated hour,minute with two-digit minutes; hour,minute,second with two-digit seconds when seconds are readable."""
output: 9,13
